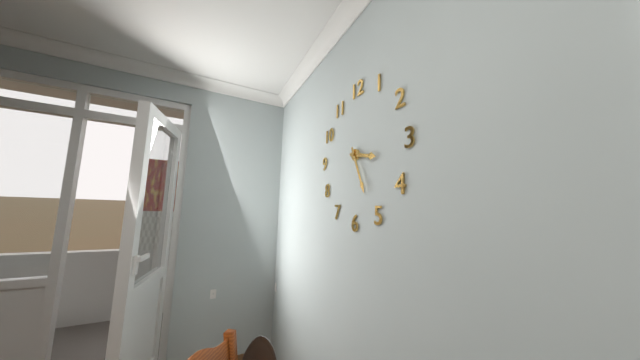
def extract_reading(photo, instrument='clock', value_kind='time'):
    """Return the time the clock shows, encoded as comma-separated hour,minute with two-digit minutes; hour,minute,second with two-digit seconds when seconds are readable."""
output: 3,26
